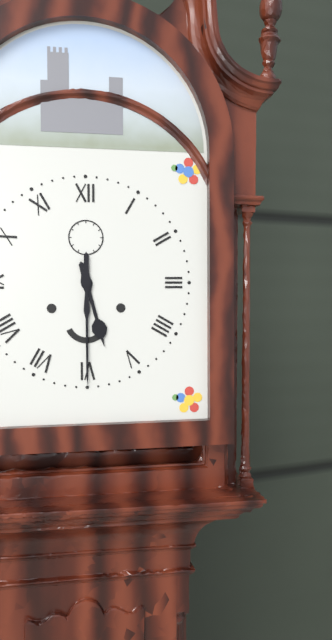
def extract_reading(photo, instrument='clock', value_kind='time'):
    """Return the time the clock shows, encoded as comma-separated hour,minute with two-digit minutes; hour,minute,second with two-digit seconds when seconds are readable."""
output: 5,30
